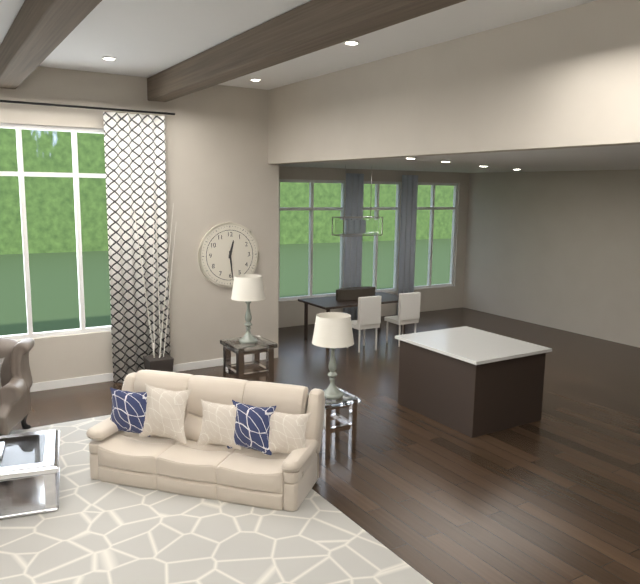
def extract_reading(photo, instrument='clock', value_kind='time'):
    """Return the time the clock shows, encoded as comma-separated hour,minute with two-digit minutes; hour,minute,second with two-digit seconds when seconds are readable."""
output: 12,29
